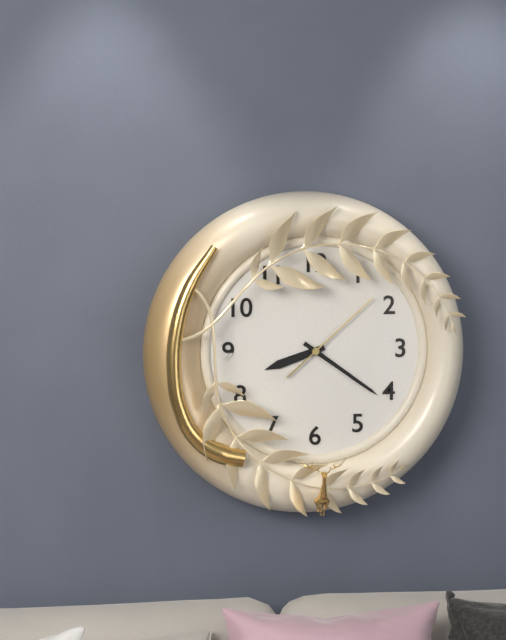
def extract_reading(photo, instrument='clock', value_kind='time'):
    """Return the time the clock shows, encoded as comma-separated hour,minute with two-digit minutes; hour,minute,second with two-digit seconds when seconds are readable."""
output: 8,21,08
